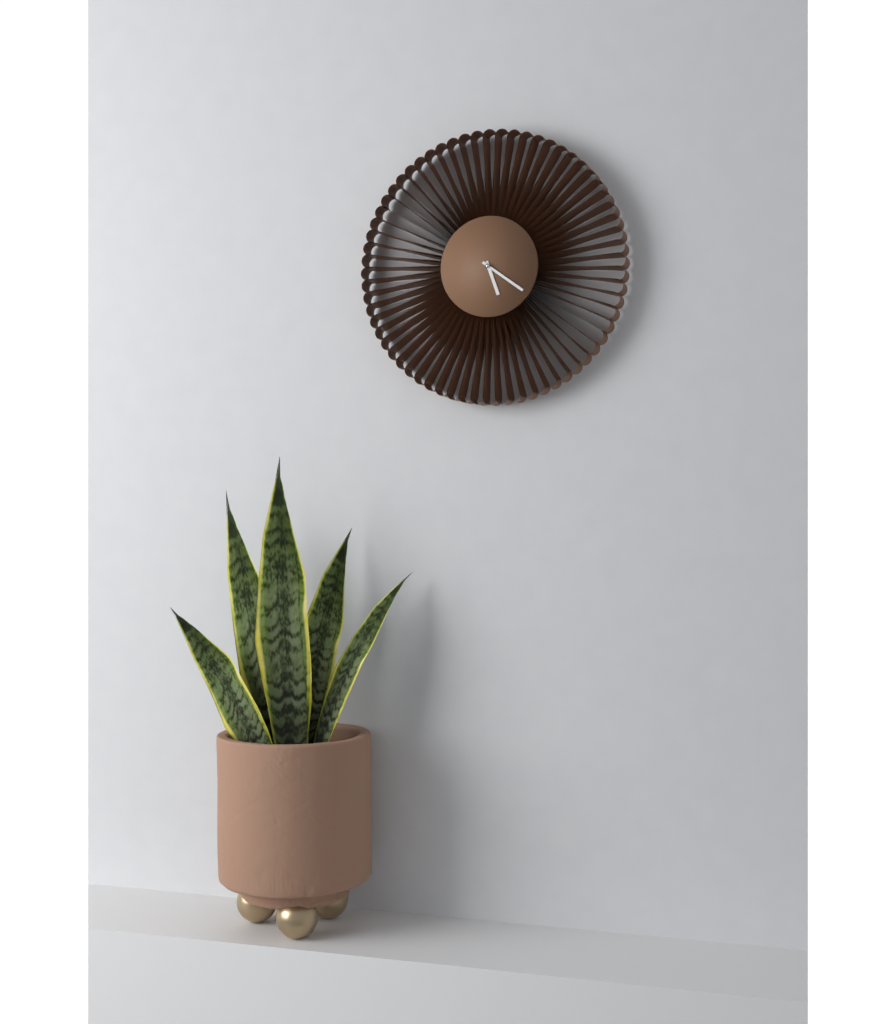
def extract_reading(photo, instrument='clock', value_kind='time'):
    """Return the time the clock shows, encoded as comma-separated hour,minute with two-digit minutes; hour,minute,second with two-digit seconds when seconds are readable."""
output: 5,21
